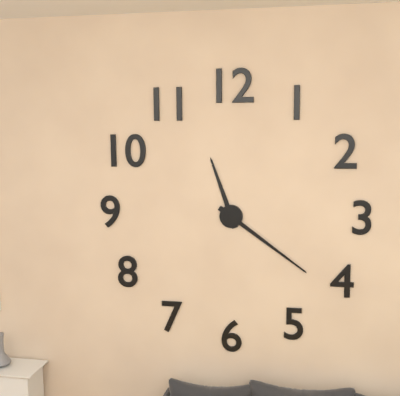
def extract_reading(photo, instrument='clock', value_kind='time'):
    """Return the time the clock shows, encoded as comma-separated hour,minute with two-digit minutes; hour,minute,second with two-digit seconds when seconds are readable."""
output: 11,21
